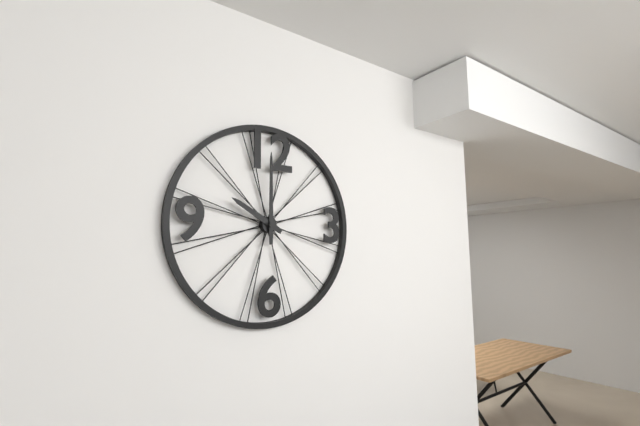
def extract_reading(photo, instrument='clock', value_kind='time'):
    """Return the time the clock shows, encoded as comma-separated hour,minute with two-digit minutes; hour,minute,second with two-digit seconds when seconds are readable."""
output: 10,00
